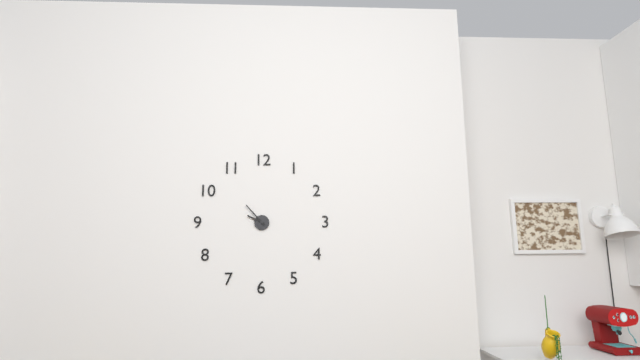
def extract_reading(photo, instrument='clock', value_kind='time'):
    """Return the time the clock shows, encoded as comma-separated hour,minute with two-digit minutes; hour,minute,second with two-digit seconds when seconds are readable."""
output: 9,53
